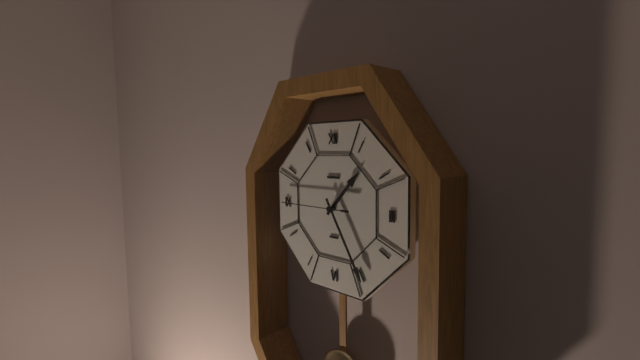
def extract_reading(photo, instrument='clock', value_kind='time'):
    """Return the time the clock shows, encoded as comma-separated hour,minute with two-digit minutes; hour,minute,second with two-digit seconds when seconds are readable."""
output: 1,25,45
